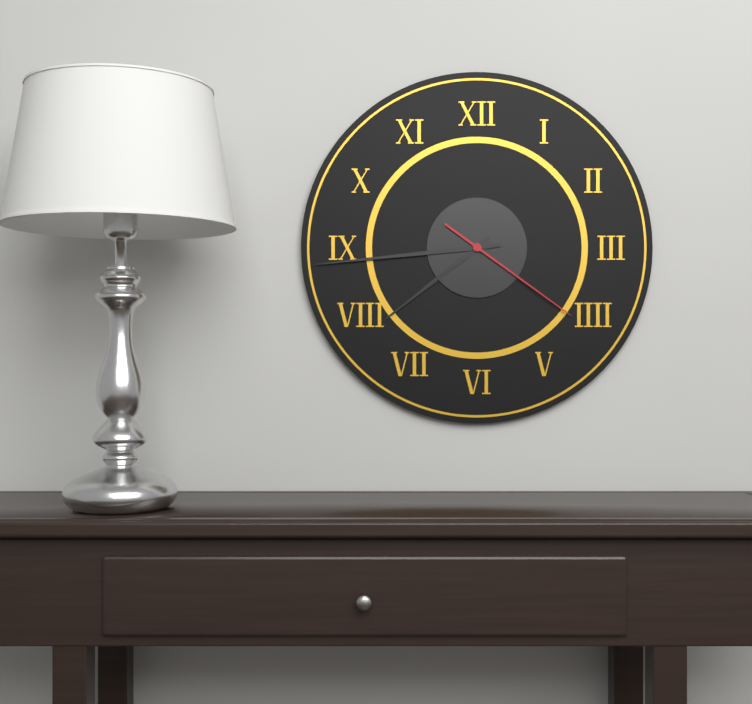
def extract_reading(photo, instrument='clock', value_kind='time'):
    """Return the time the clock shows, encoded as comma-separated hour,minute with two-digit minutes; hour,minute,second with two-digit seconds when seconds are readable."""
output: 7,44,21
